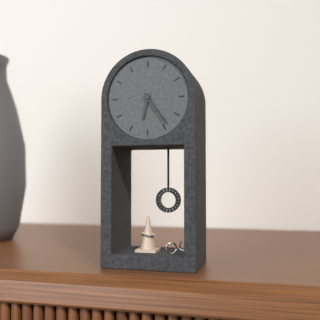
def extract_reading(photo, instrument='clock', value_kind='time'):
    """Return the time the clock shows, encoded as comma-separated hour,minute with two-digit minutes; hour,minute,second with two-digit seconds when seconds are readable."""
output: 6,24
